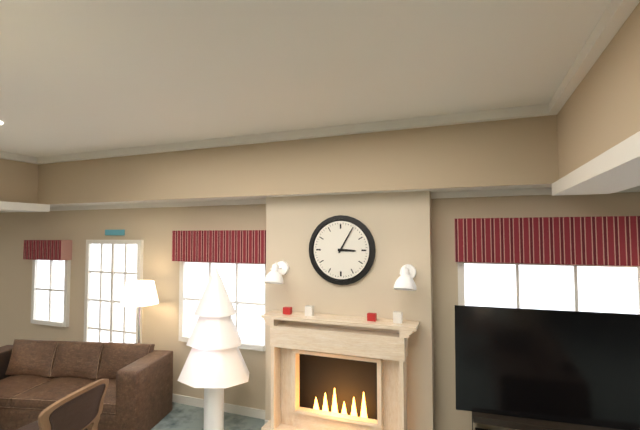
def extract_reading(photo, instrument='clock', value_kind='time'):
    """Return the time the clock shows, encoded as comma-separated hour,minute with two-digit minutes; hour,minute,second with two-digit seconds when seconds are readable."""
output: 3,05
